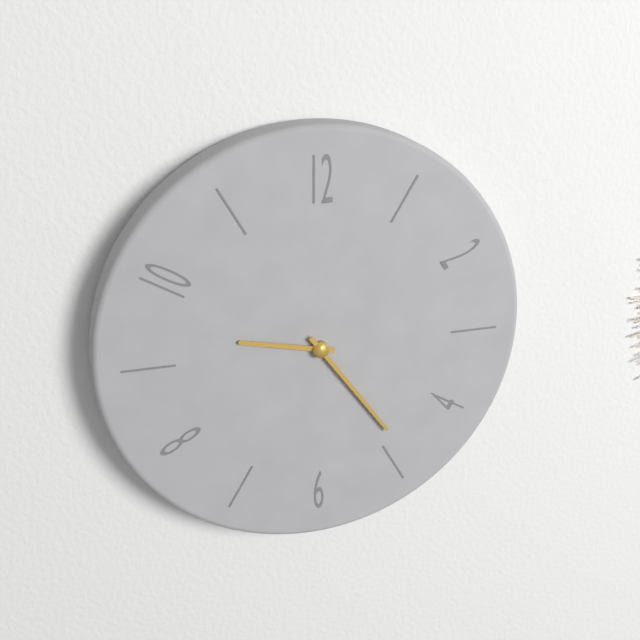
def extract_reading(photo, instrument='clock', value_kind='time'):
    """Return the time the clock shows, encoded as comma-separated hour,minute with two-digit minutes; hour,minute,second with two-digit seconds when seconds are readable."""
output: 9,24
